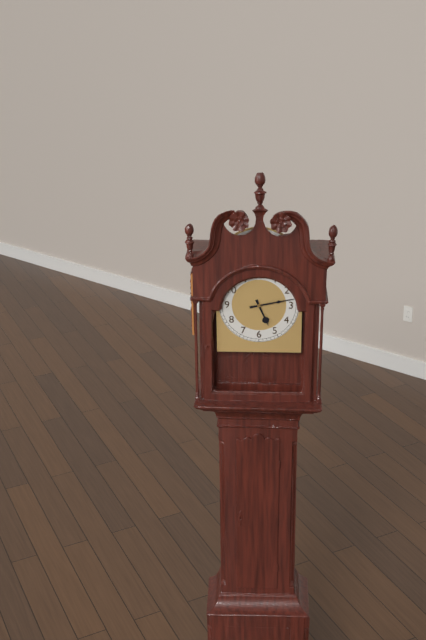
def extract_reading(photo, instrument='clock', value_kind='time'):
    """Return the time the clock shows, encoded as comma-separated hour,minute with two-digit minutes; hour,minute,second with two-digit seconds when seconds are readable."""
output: 5,13
